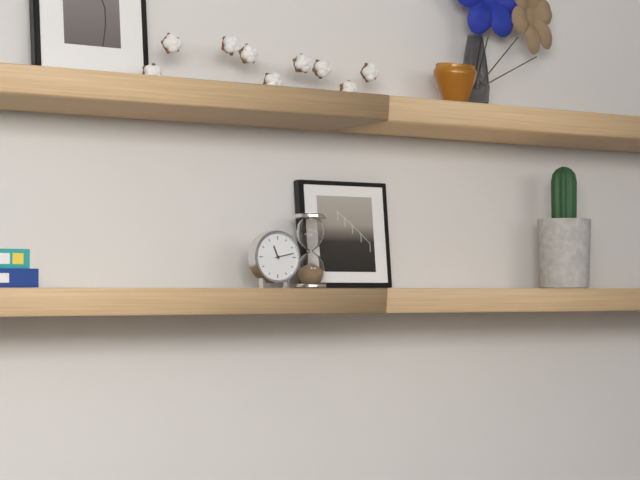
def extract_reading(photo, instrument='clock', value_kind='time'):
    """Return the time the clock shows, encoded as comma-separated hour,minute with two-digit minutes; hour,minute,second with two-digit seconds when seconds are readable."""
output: 11,13
